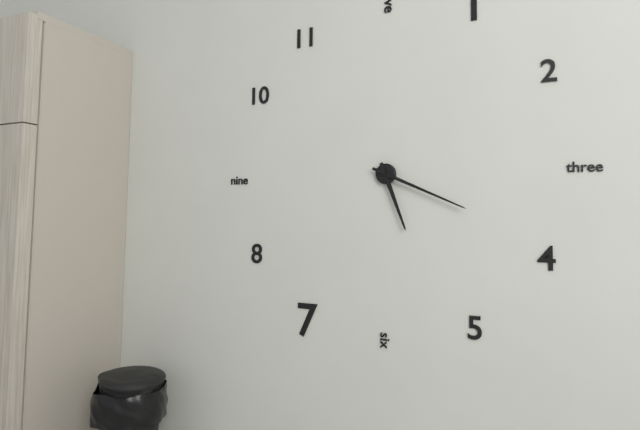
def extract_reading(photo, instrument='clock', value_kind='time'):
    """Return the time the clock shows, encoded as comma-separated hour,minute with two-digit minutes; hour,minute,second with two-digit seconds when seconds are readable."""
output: 5,19
